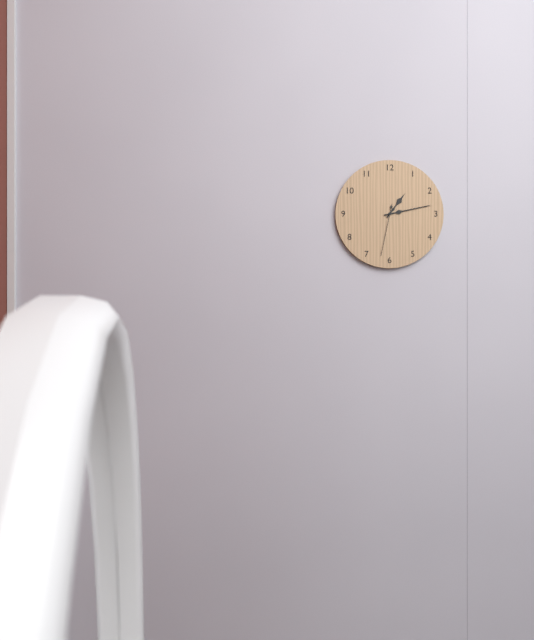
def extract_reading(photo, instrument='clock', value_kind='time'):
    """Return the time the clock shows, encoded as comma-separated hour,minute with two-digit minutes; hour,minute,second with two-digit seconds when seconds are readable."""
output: 1,13,32
